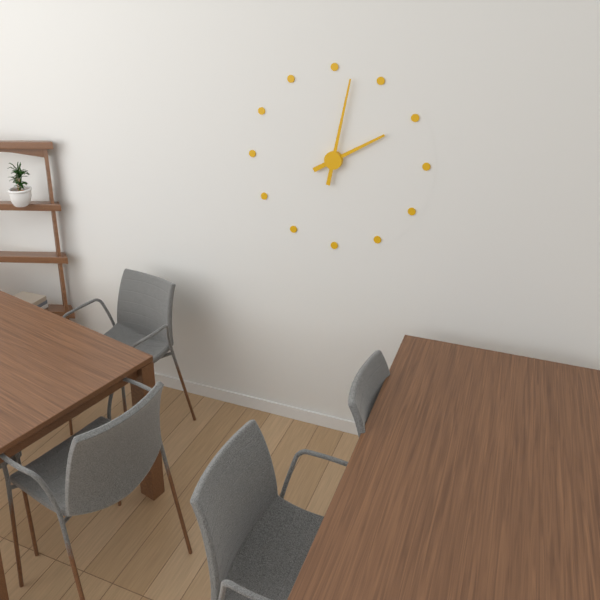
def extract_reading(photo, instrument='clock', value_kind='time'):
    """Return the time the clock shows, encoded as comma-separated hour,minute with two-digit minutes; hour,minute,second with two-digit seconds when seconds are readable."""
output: 2,02
